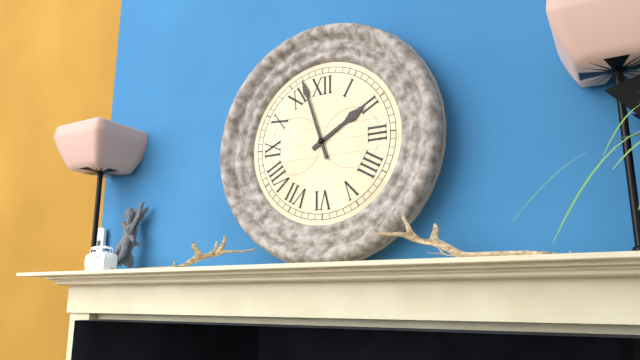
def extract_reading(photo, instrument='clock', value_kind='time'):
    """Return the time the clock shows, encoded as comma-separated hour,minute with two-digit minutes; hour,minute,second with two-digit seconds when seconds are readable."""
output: 1,57
